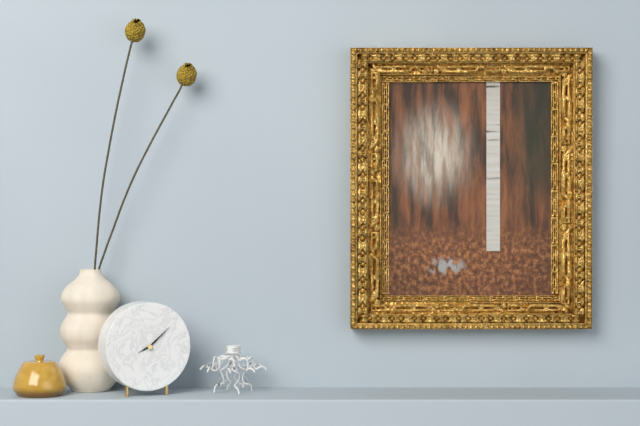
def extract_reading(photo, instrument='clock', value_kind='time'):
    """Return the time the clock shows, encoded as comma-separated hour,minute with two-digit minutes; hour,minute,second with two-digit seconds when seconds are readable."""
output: 8,08
